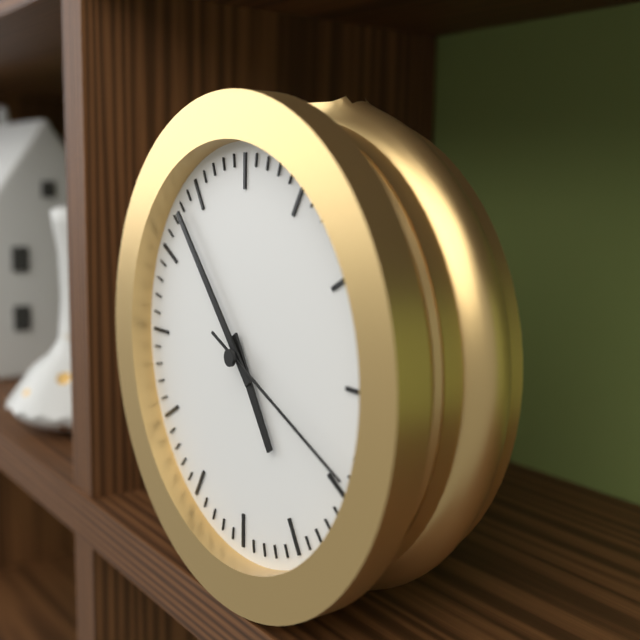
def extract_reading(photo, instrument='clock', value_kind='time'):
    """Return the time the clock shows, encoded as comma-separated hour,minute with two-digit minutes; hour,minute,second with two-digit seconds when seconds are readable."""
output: 4,53,19
